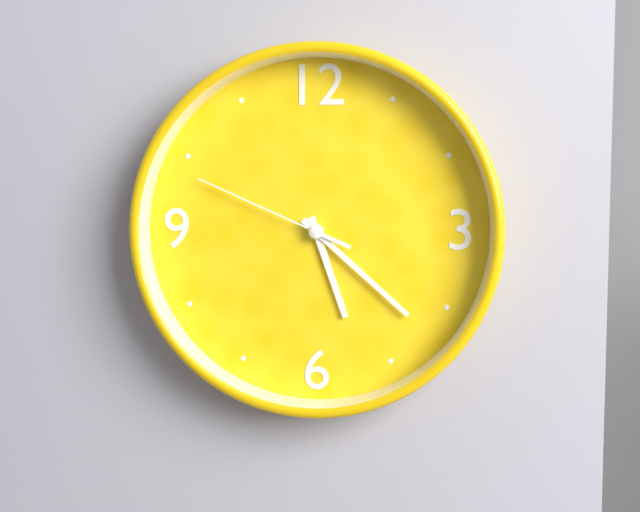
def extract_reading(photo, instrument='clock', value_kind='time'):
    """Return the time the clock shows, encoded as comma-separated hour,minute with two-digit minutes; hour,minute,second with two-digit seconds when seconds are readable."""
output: 5,22,49
